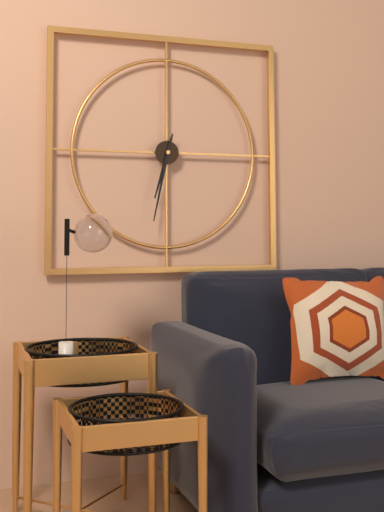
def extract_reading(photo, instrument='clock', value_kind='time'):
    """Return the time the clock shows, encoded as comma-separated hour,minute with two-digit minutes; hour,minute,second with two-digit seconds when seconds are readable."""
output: 6,32
